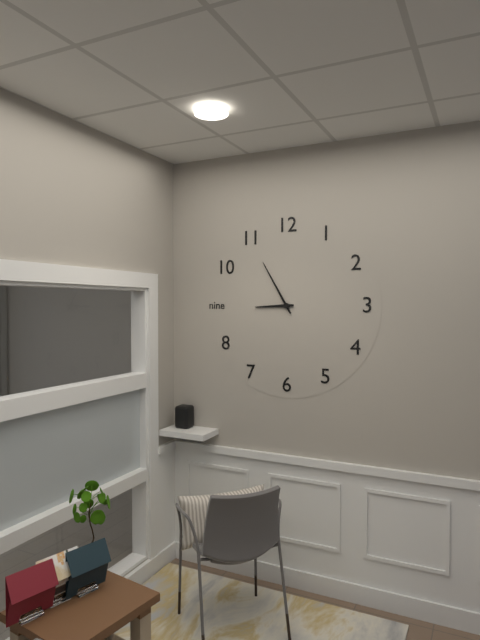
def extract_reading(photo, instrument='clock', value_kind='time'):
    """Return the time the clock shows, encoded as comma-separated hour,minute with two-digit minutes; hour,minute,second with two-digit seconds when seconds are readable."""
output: 8,55
